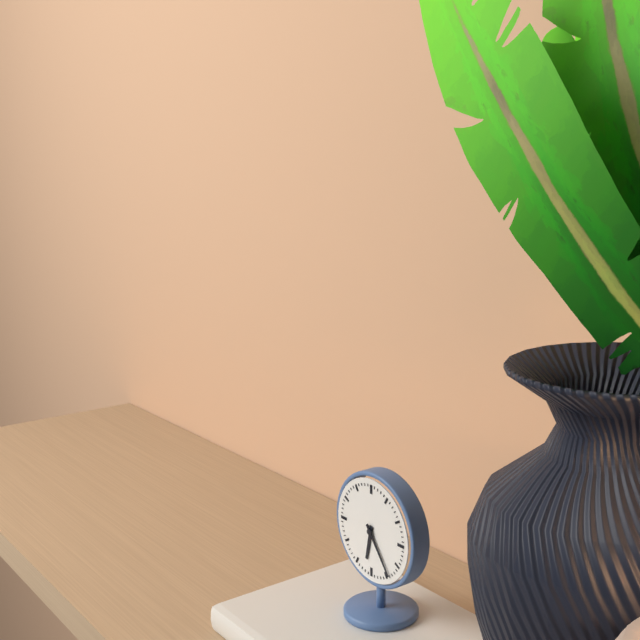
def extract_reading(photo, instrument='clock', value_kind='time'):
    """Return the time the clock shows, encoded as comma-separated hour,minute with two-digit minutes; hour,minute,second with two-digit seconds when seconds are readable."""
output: 6,24
